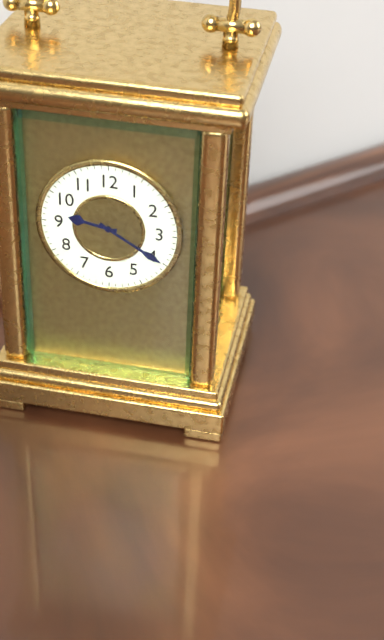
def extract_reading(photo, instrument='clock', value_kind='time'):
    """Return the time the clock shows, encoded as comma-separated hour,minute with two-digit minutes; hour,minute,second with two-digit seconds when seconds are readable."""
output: 9,20
